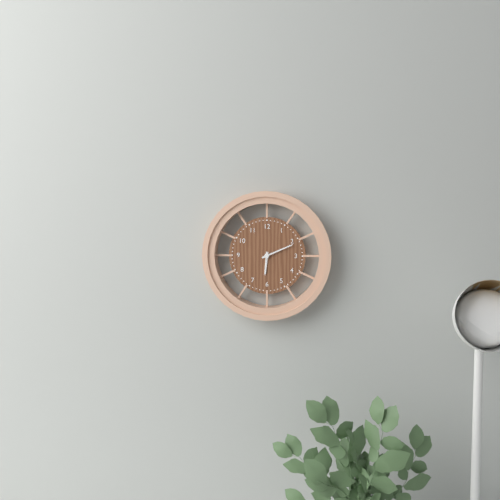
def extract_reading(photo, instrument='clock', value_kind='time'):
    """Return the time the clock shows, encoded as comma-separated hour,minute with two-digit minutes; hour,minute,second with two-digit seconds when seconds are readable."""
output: 6,11
